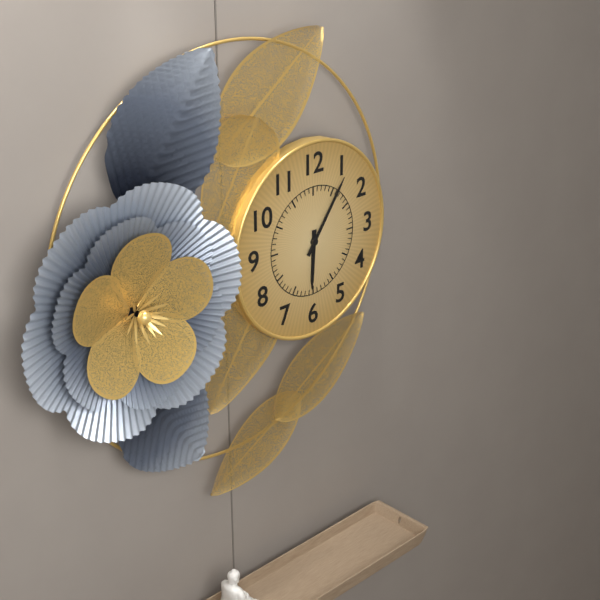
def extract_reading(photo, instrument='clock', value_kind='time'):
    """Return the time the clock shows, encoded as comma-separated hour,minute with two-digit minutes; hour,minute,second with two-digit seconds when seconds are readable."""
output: 6,06
